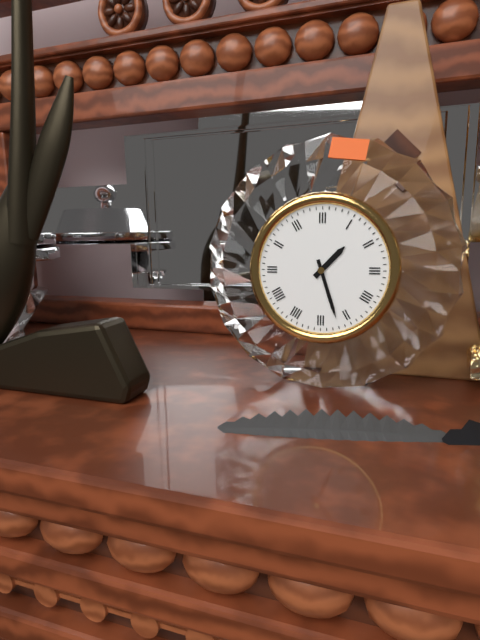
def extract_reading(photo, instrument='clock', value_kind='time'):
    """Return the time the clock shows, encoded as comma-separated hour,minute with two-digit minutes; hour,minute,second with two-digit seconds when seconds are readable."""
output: 1,27
